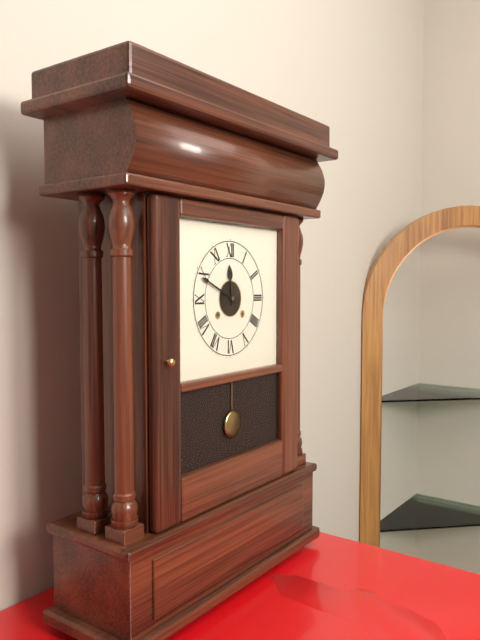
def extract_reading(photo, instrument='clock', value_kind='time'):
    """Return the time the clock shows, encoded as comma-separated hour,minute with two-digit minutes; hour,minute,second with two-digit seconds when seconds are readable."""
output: 11,49
